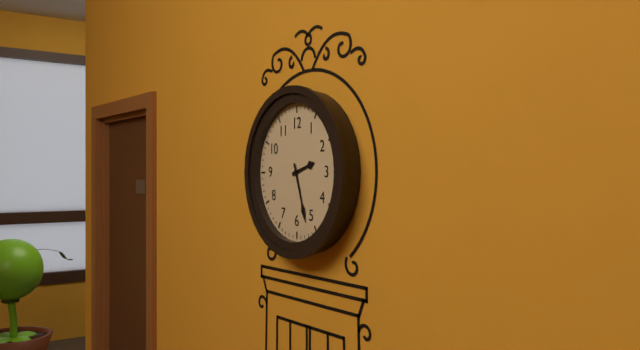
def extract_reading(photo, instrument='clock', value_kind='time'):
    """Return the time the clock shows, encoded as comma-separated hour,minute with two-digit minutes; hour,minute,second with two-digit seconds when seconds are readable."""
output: 2,27
